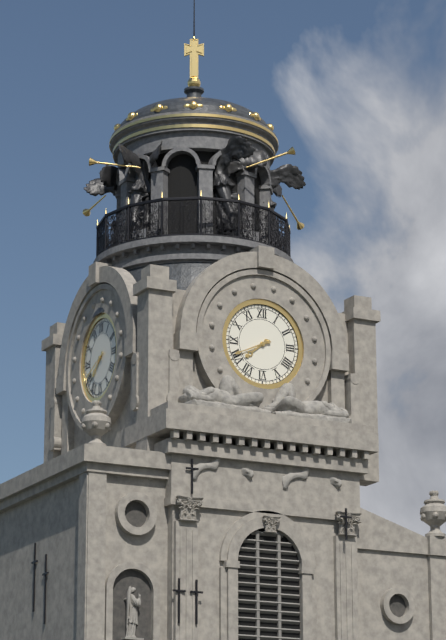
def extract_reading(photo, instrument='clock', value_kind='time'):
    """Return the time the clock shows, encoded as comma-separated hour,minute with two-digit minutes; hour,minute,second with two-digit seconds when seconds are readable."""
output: 7,41
